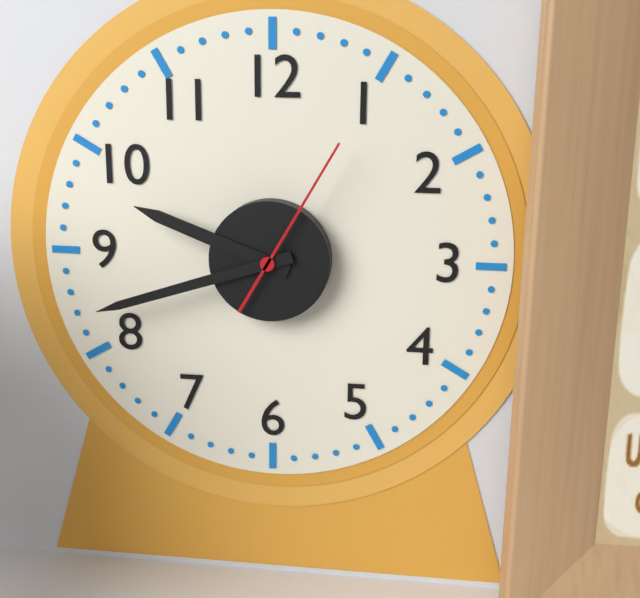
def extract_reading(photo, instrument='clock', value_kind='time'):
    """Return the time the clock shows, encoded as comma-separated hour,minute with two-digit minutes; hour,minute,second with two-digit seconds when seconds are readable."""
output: 9,42,05
